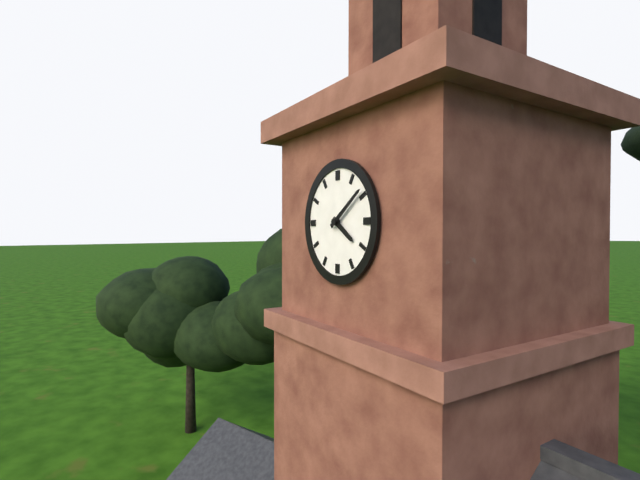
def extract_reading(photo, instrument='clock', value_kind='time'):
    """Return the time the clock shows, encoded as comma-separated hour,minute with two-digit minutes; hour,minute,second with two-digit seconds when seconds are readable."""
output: 4,09
